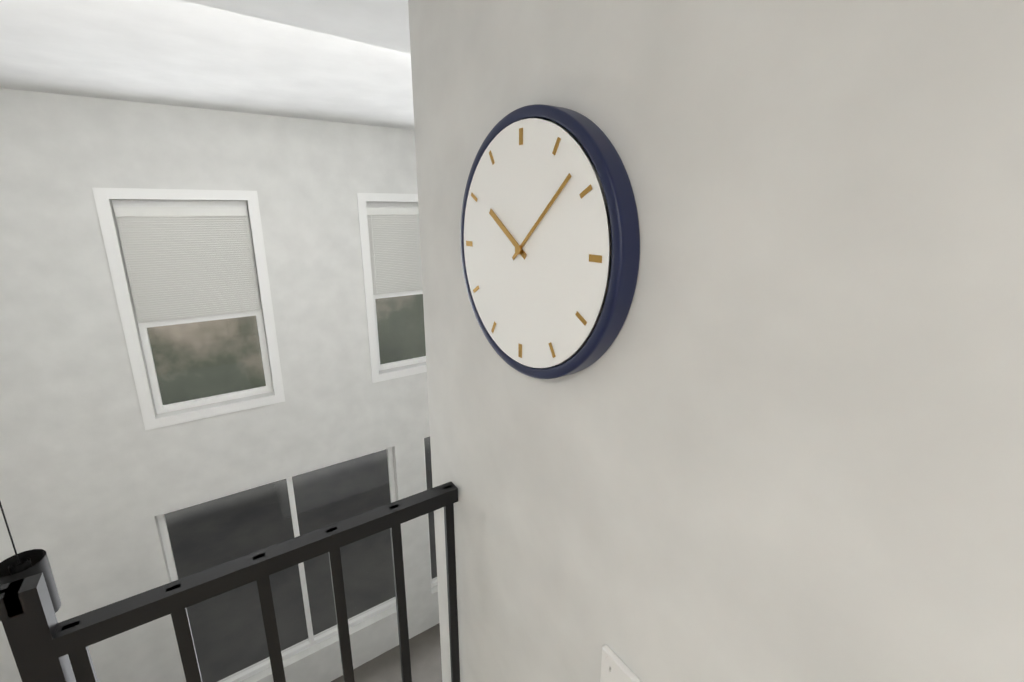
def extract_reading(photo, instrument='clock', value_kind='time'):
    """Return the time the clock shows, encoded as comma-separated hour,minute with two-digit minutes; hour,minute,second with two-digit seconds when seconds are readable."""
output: 10,08
